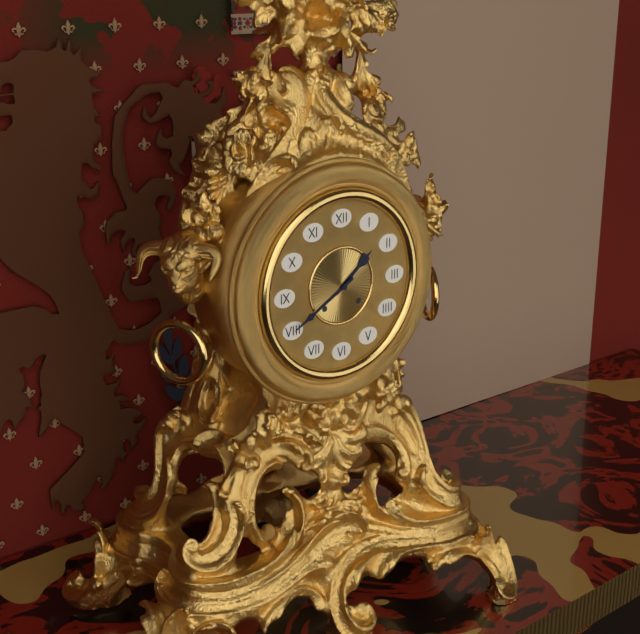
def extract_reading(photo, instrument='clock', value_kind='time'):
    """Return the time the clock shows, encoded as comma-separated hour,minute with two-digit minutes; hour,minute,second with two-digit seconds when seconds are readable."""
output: 1,40
